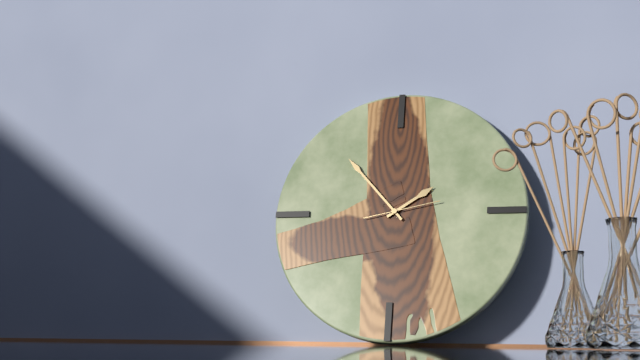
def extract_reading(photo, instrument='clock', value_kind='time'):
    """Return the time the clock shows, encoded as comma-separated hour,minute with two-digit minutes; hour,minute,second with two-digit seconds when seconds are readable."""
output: 1,53,13
